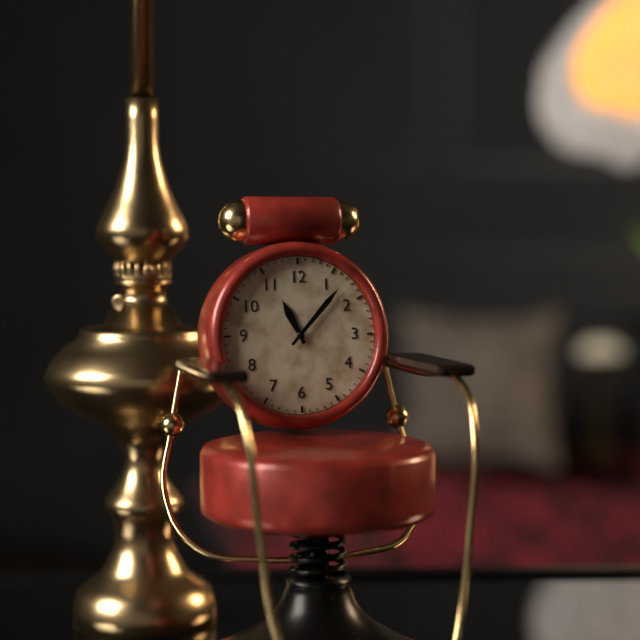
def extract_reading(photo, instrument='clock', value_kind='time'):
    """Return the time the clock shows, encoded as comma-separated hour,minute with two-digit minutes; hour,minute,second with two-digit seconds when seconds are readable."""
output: 11,07
